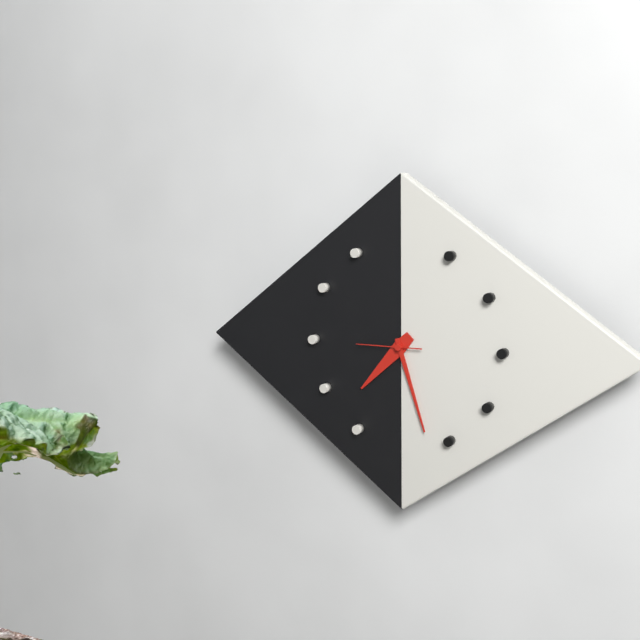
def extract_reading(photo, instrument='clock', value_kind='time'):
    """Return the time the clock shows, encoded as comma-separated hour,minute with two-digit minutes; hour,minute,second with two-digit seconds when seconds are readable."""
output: 7,27,45
